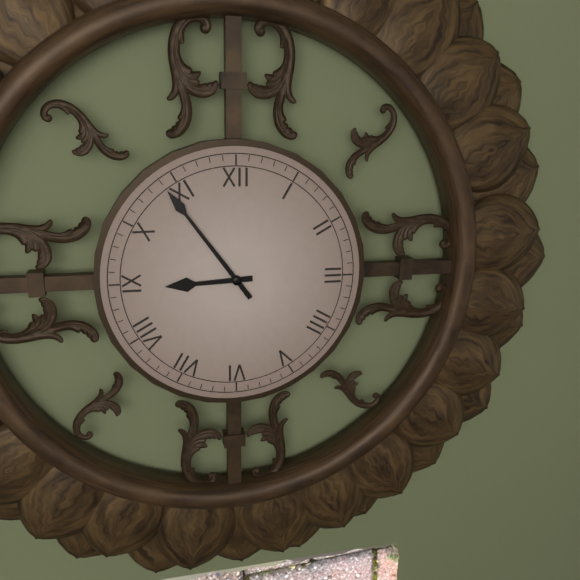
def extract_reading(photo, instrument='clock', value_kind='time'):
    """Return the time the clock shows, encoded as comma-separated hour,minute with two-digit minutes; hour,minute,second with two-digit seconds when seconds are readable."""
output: 8,54
